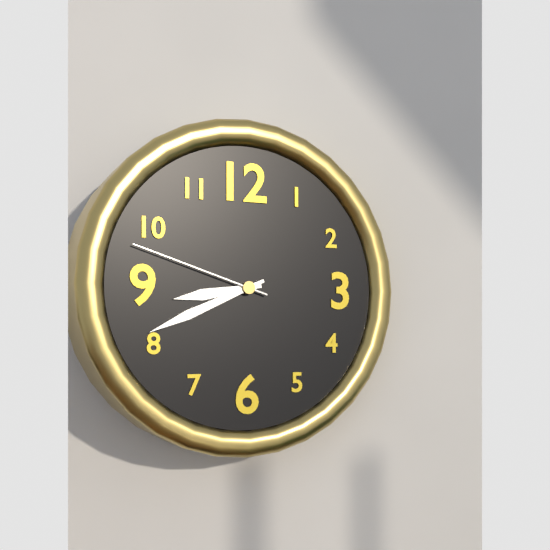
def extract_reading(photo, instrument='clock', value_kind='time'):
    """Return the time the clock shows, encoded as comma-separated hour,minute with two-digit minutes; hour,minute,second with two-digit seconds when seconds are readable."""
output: 8,41,48
